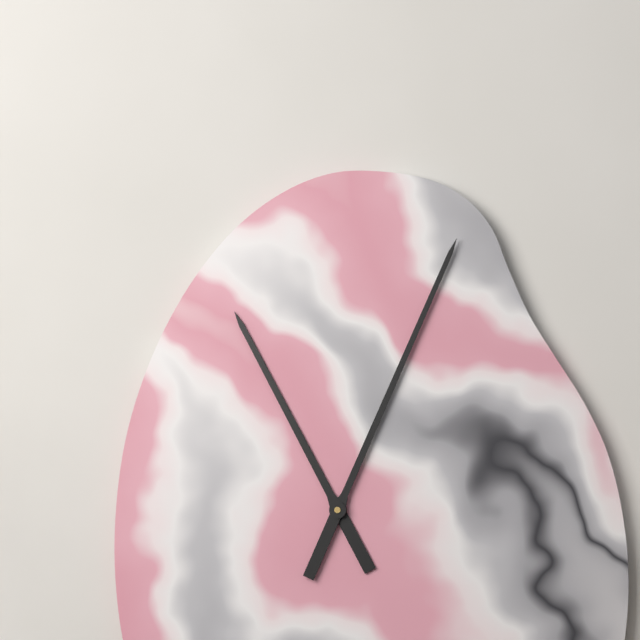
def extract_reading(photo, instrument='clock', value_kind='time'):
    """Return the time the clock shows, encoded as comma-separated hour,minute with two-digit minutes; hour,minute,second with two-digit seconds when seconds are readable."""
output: 11,04
